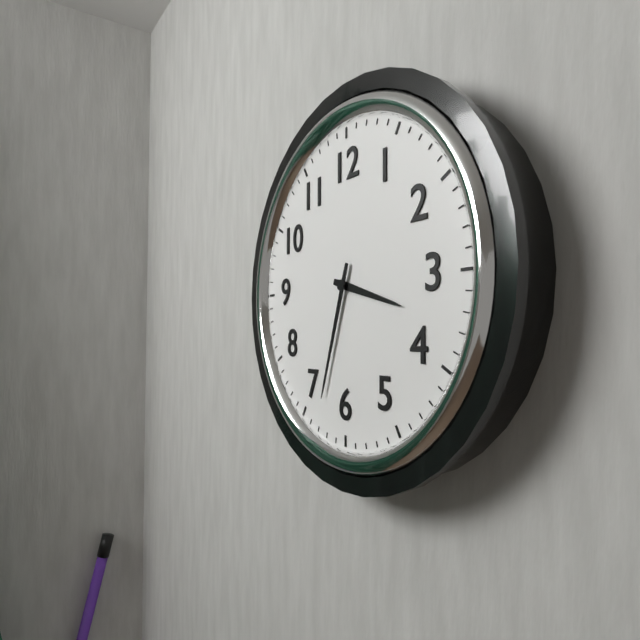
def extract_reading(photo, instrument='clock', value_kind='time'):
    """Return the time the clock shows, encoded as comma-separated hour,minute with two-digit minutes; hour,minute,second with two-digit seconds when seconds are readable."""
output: 3,33
